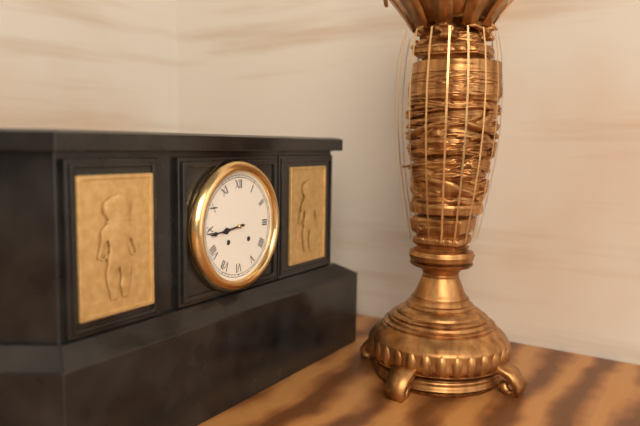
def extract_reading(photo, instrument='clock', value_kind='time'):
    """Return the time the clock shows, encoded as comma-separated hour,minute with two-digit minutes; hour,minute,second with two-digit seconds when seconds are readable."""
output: 8,44
